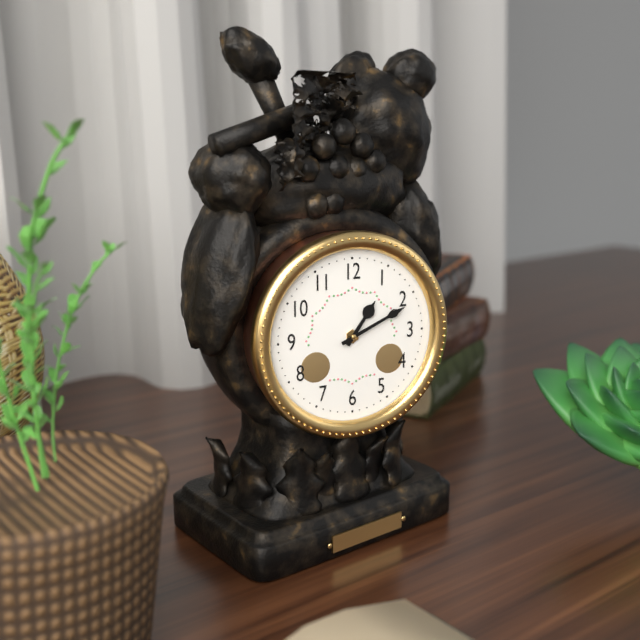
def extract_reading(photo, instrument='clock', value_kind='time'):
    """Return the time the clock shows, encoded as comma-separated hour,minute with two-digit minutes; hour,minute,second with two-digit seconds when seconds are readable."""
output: 1,11
